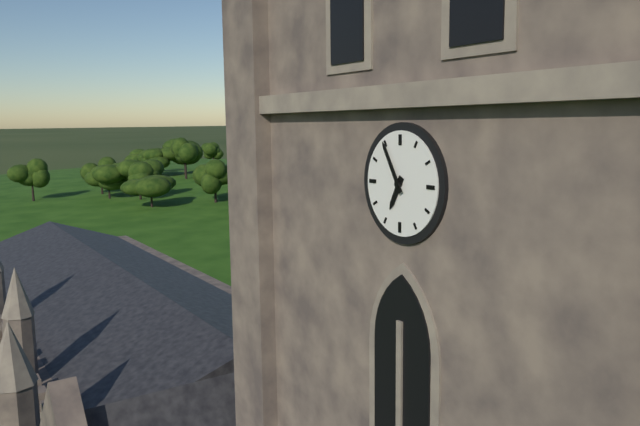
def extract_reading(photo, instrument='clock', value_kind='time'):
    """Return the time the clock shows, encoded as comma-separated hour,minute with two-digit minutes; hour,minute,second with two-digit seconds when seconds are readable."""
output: 6,55
